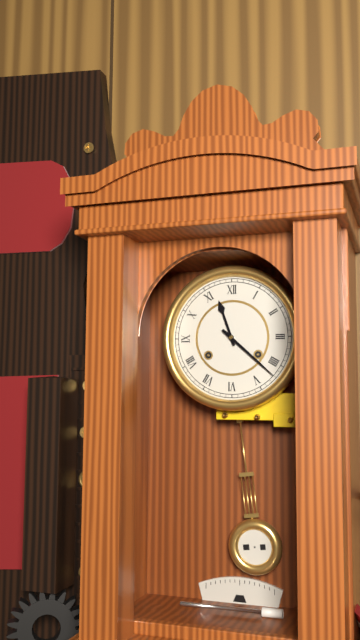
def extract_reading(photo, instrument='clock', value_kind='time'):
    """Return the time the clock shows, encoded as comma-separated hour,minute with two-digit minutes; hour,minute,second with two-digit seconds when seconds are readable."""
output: 11,22
